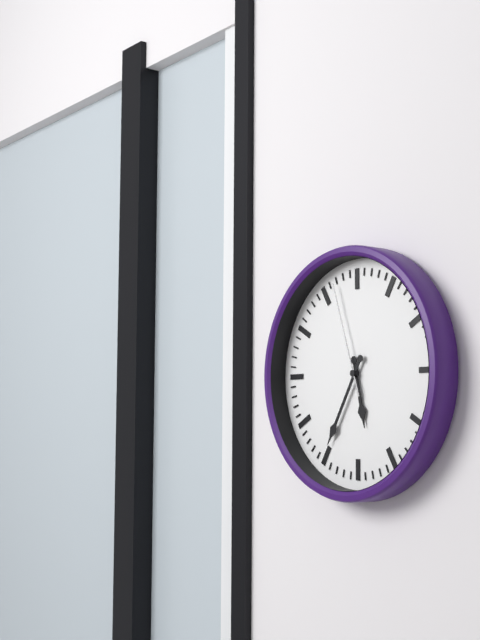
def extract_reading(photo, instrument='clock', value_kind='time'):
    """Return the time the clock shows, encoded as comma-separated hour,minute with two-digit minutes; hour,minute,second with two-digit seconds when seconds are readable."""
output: 5,35,57
